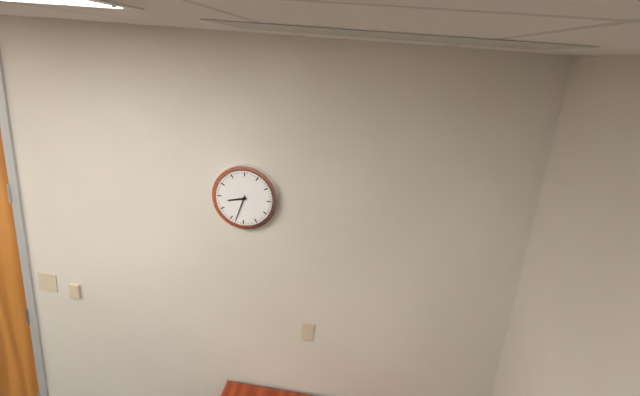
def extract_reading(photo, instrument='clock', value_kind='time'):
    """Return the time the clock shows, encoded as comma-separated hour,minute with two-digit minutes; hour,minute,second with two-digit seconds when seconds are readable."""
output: 8,33
